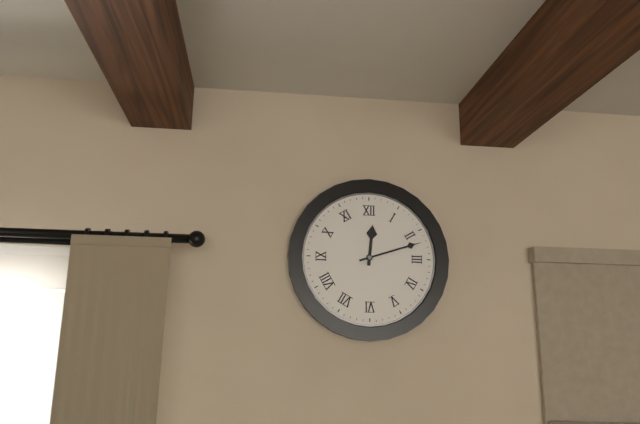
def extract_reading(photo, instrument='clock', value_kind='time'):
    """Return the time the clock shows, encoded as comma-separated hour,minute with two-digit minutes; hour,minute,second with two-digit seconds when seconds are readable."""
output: 12,12
